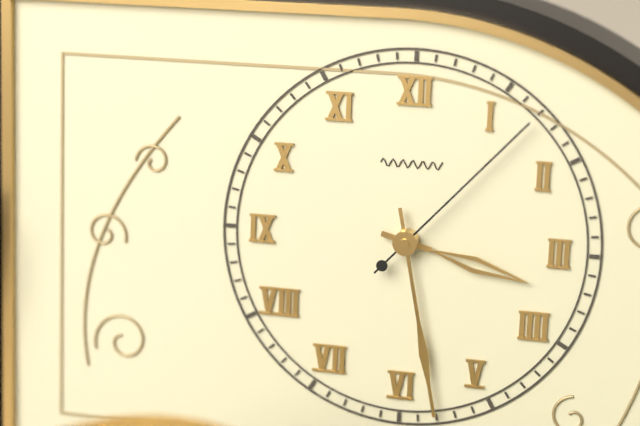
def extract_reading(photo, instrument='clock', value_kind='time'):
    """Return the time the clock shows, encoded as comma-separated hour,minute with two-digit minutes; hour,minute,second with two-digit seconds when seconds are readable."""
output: 3,28,07
